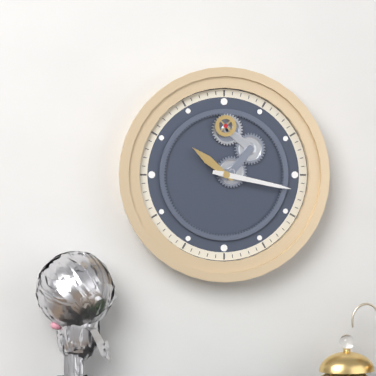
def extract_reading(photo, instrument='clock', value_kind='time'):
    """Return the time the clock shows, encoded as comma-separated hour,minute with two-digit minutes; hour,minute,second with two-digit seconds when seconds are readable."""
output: 10,17
